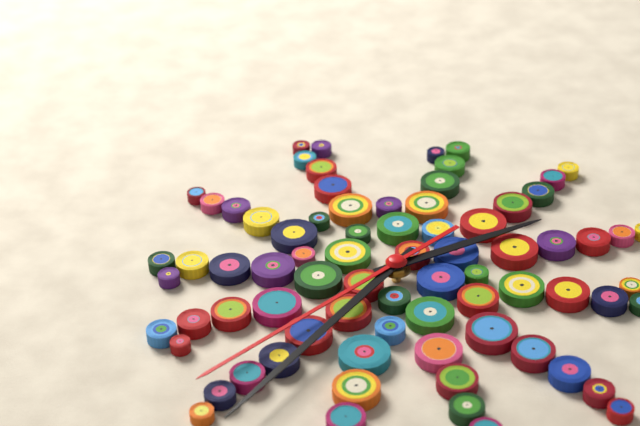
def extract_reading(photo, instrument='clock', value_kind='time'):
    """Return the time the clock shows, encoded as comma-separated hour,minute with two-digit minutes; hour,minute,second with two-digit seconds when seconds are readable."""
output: 1,33,35
